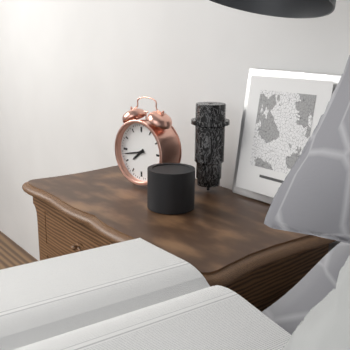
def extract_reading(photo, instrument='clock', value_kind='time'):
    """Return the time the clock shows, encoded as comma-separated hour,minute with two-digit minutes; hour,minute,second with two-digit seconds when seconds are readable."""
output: 7,43
